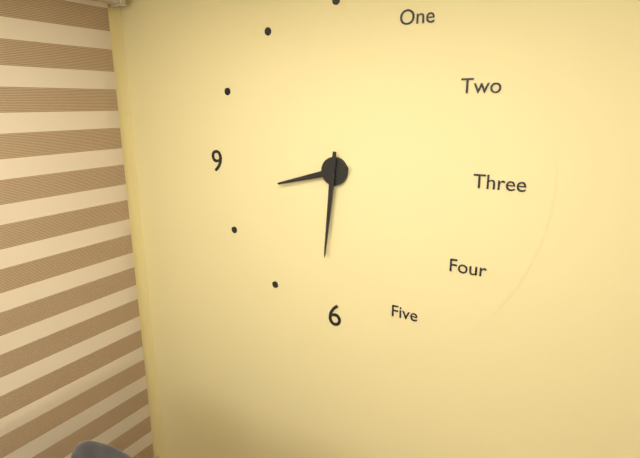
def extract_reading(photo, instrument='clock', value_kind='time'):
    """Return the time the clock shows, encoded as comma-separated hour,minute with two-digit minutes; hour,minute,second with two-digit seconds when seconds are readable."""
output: 8,31
